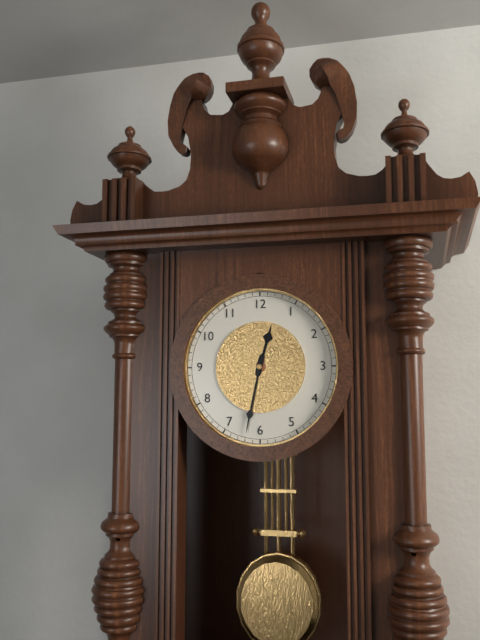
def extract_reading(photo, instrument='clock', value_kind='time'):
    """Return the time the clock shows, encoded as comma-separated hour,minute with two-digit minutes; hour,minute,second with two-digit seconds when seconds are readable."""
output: 12,32
